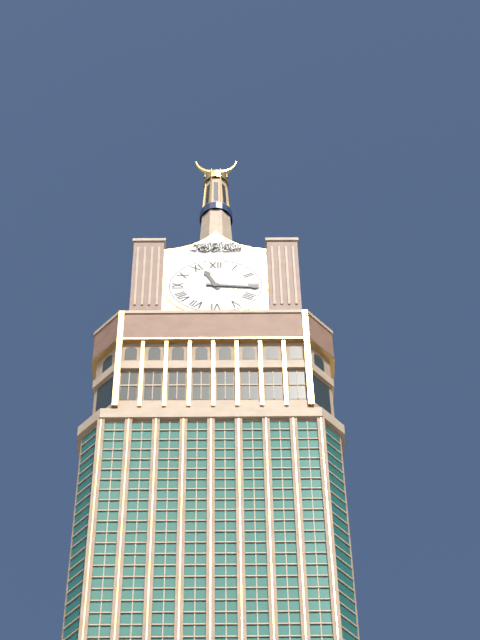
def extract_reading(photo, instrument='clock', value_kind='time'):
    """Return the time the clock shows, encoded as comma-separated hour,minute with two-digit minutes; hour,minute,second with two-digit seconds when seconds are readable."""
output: 11,16
